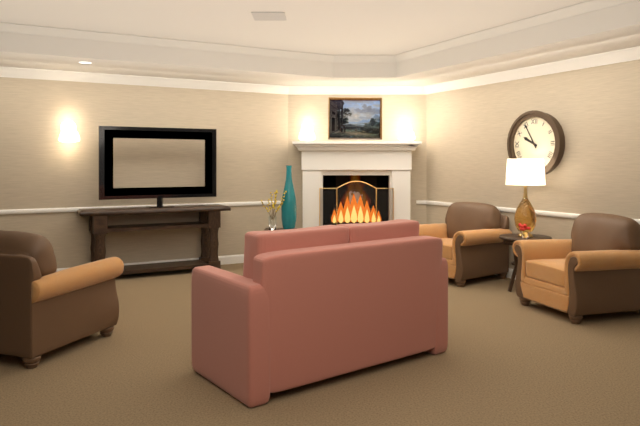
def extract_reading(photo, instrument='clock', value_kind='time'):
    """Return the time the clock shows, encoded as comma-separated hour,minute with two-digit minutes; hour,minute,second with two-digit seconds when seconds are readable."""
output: 9,55
